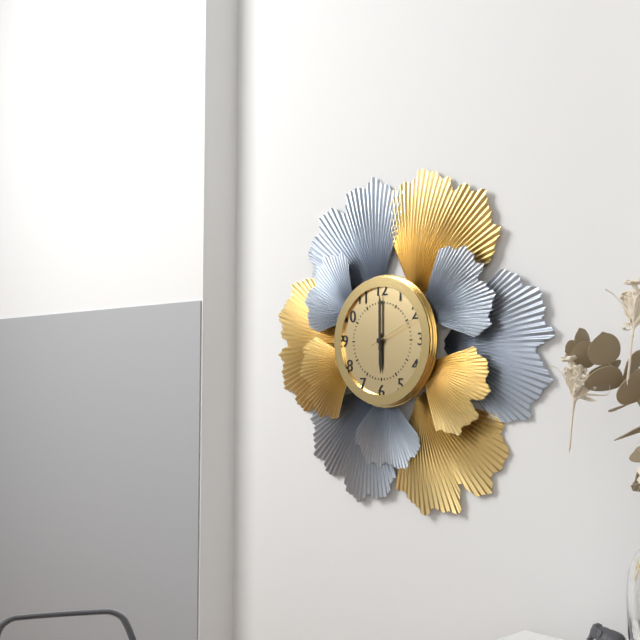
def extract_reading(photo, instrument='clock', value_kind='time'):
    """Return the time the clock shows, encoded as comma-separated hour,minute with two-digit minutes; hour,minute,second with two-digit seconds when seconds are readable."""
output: 6,00
